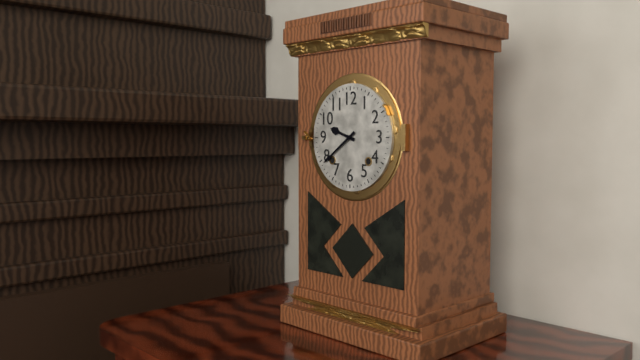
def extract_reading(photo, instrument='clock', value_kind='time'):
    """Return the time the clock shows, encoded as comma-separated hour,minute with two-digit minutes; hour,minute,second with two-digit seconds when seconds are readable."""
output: 9,39
